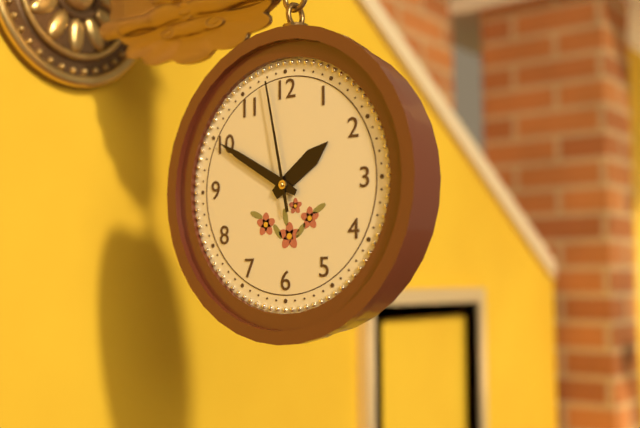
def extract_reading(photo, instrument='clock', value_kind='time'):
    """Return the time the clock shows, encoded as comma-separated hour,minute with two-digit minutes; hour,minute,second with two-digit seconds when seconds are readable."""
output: 1,50,58
